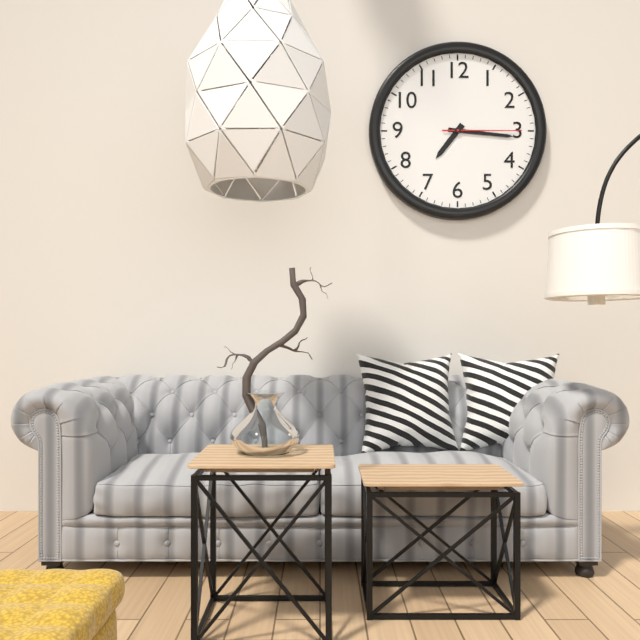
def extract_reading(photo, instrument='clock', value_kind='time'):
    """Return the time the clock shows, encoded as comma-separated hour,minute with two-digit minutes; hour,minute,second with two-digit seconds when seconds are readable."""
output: 7,16,15
